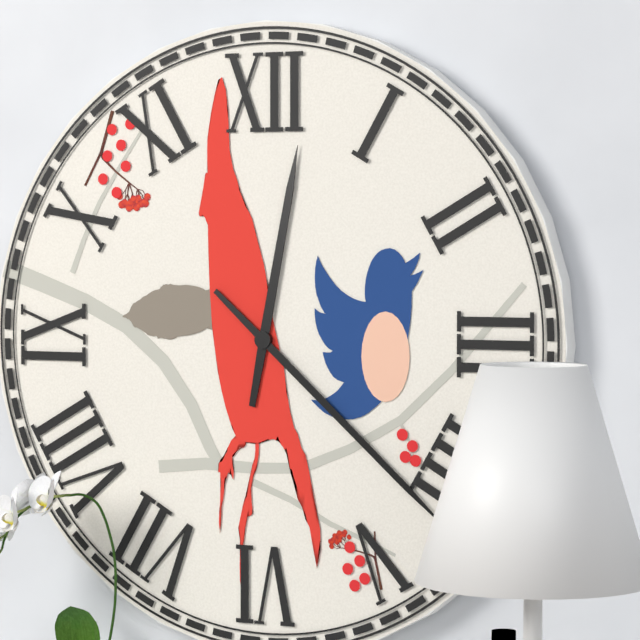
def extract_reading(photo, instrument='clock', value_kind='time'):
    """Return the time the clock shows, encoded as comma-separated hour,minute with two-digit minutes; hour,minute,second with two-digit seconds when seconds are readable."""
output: 12,22
